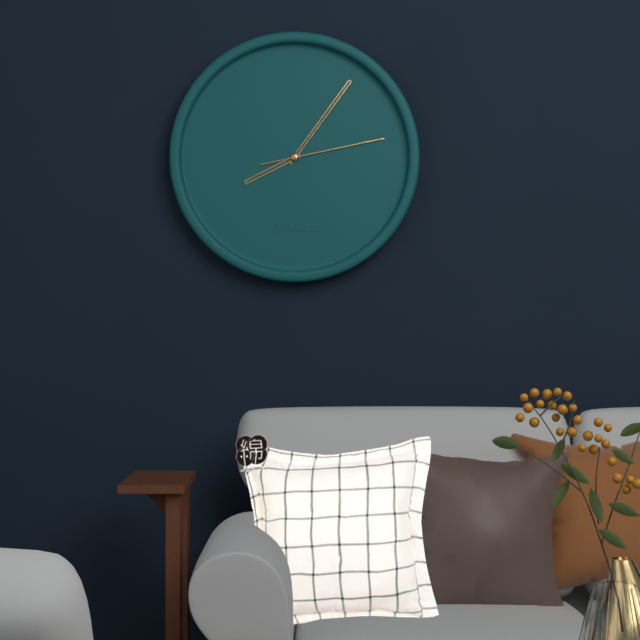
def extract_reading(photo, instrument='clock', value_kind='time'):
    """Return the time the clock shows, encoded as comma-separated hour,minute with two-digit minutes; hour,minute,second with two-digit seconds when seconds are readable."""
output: 8,06,13
